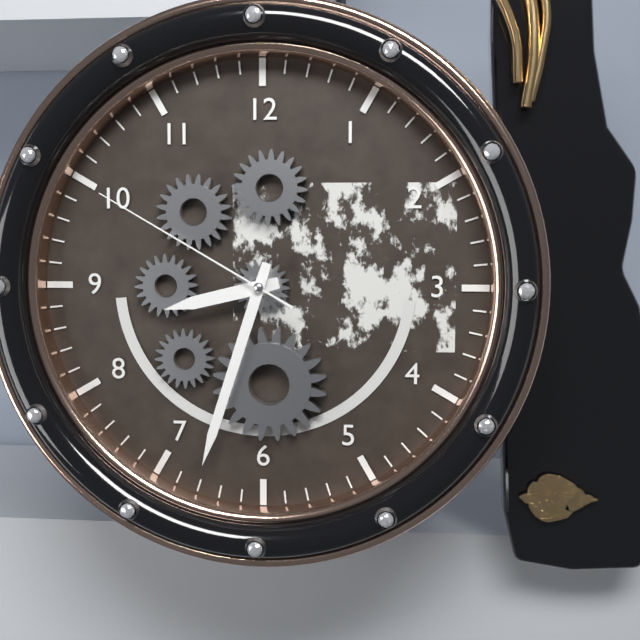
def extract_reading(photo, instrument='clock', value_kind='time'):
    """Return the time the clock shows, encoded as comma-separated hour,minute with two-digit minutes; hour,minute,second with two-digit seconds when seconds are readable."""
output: 8,33,50
